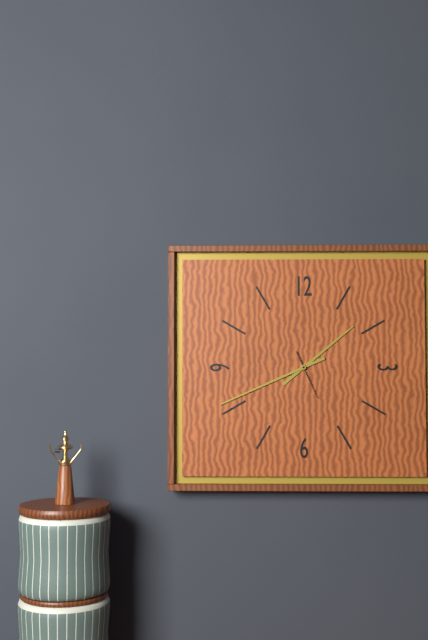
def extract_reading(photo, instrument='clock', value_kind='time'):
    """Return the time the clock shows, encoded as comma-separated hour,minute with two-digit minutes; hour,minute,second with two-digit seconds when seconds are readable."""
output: 1,41
